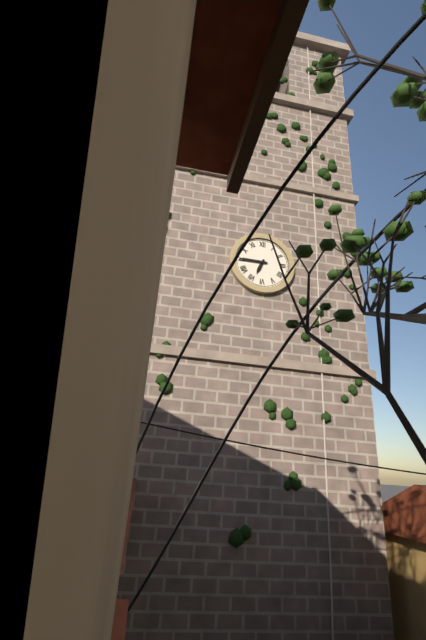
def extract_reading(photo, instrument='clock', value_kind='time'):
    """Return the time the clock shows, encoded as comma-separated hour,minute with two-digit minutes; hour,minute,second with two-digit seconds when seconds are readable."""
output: 6,45
